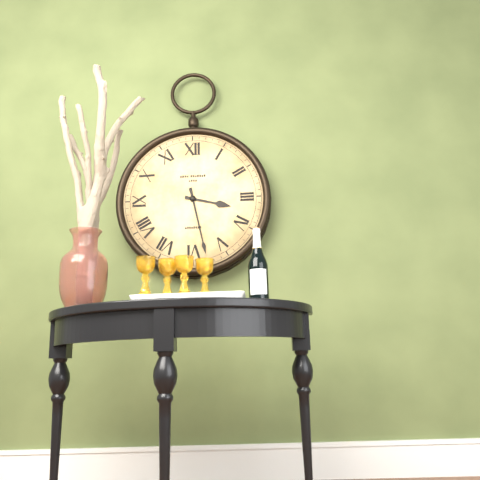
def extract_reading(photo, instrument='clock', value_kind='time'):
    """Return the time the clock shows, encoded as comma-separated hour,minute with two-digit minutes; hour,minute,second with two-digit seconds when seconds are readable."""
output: 3,28
